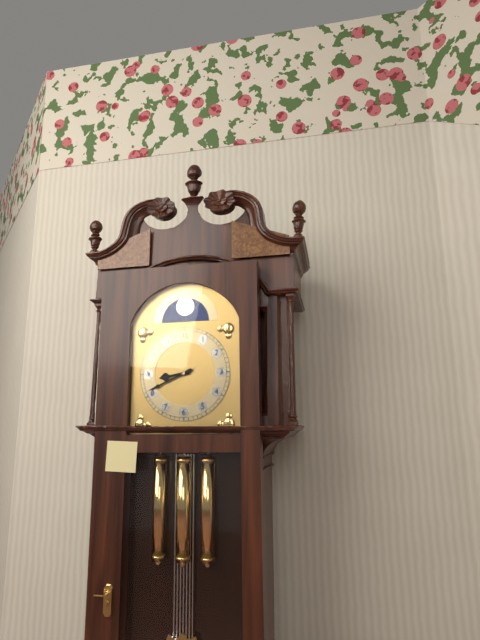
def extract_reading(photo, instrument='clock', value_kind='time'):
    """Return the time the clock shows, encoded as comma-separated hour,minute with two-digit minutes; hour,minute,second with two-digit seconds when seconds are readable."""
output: 8,41
